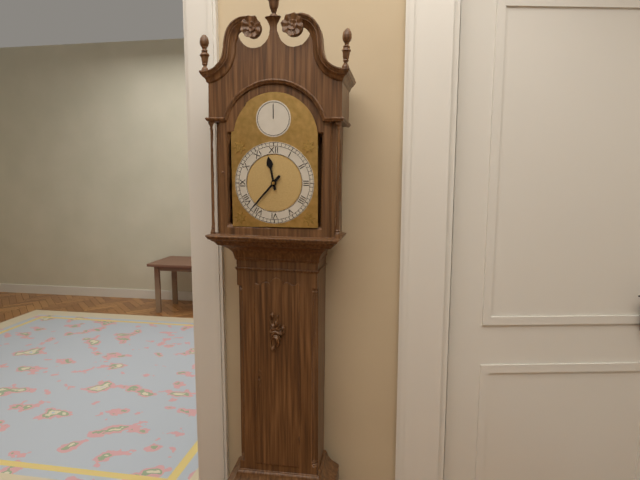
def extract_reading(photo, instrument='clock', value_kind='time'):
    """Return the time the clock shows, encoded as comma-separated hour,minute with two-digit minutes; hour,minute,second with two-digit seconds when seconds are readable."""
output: 11,37
